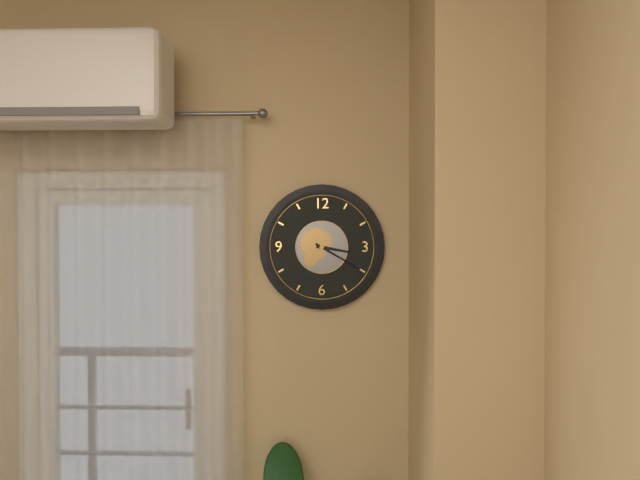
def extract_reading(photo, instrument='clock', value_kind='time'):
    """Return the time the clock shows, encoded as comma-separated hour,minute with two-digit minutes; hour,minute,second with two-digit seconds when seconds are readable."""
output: 3,20
